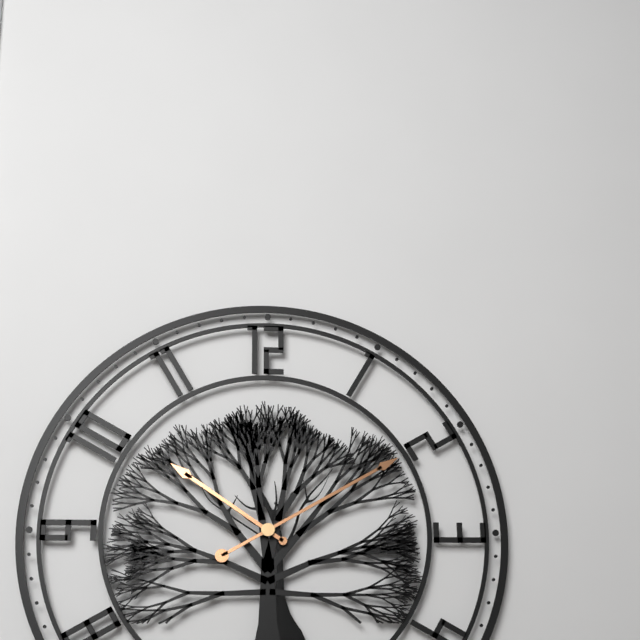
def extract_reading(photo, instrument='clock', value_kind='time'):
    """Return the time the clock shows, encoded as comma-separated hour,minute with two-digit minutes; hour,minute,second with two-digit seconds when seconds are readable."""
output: 10,10
